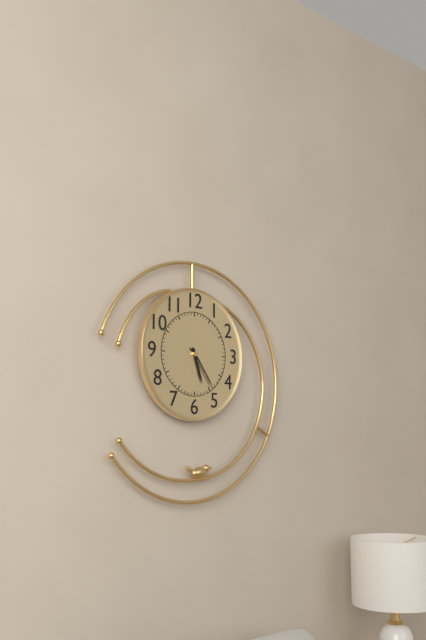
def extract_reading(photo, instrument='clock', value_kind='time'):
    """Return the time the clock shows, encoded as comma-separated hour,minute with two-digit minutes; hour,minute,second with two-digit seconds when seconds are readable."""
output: 5,24
